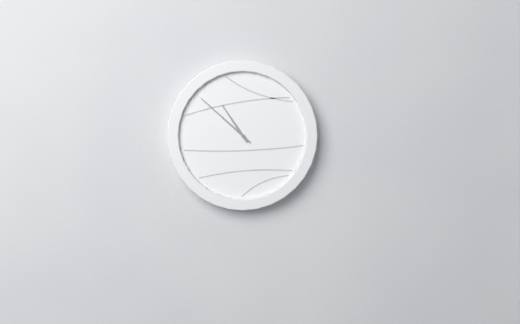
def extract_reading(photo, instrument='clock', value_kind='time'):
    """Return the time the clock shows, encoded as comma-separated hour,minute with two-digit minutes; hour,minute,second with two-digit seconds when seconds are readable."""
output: 10,52
